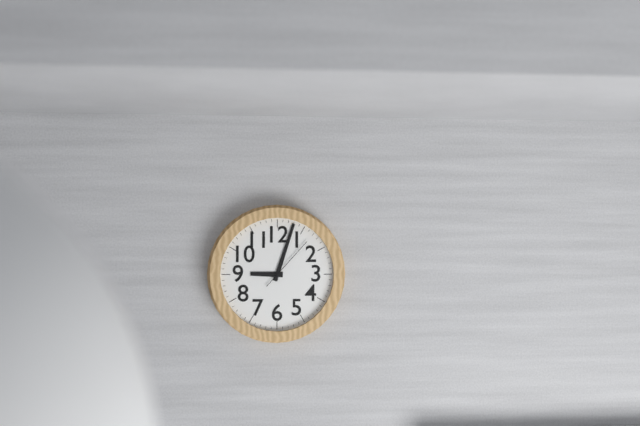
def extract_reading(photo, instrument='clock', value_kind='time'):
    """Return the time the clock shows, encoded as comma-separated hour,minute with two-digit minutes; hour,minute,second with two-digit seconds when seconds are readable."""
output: 9,03,07
